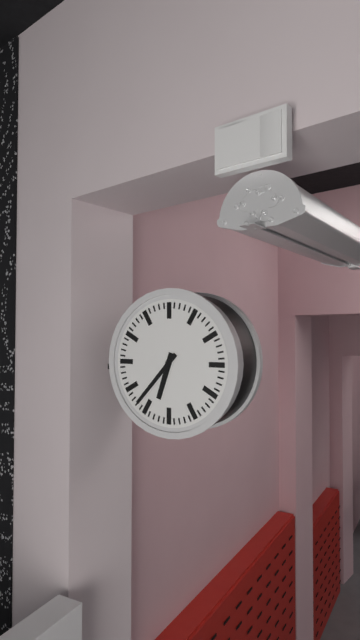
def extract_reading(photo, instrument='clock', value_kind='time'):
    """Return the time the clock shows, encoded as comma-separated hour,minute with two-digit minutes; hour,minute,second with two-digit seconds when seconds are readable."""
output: 6,37
